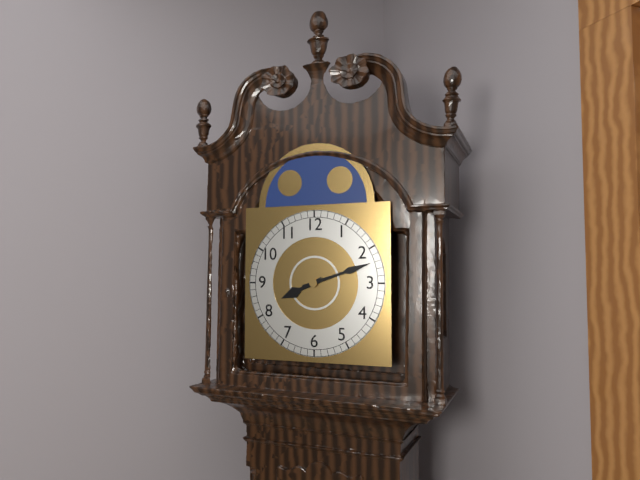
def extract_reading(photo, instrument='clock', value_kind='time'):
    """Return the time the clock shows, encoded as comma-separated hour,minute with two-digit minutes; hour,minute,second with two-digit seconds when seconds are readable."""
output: 8,12
